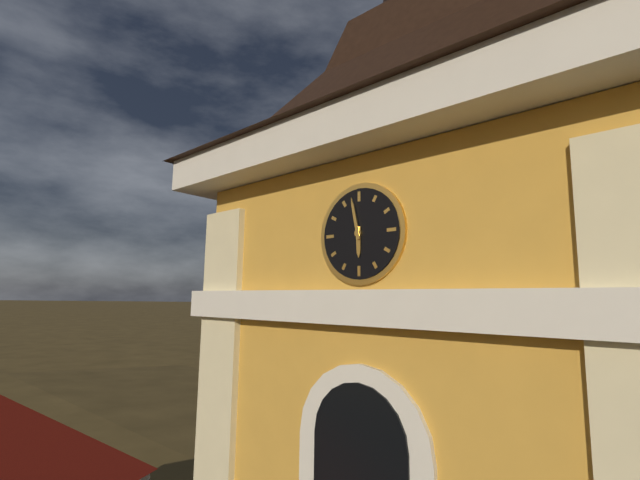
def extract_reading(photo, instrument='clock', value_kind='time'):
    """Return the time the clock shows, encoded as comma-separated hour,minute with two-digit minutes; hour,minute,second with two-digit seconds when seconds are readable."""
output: 5,58
